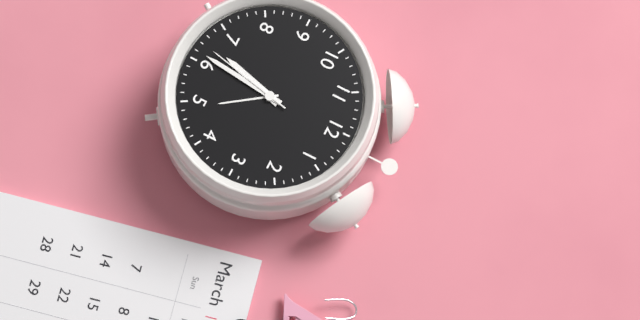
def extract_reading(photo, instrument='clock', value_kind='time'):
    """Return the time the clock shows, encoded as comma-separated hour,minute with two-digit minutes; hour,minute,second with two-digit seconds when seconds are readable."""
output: 6,31,32
